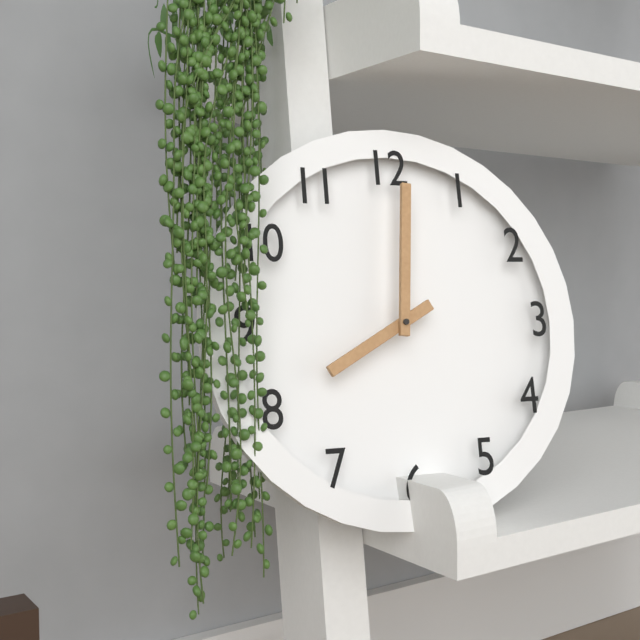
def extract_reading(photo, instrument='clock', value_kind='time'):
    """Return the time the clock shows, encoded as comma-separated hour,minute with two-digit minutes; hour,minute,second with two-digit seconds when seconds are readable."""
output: 8,01
